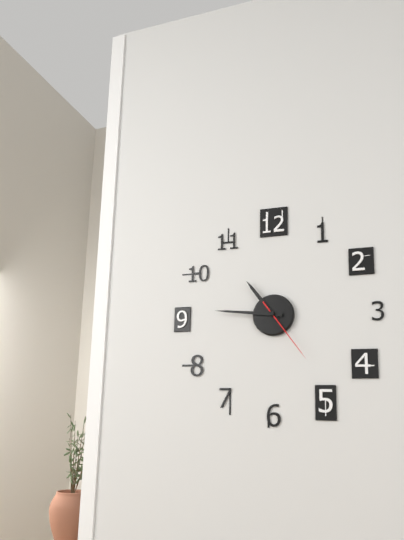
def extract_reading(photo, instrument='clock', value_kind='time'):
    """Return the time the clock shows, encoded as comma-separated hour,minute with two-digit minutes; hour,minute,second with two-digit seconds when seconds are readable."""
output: 10,46,24
